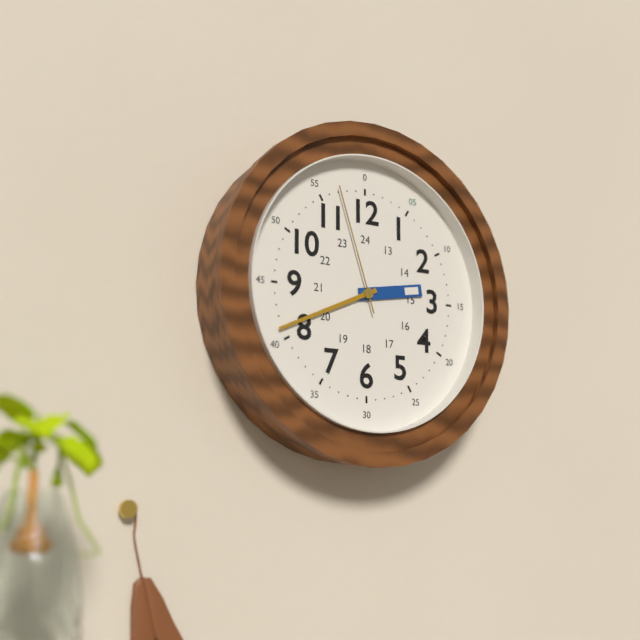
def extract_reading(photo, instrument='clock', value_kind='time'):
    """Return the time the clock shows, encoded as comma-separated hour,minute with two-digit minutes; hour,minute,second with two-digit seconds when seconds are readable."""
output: 2,41,57
